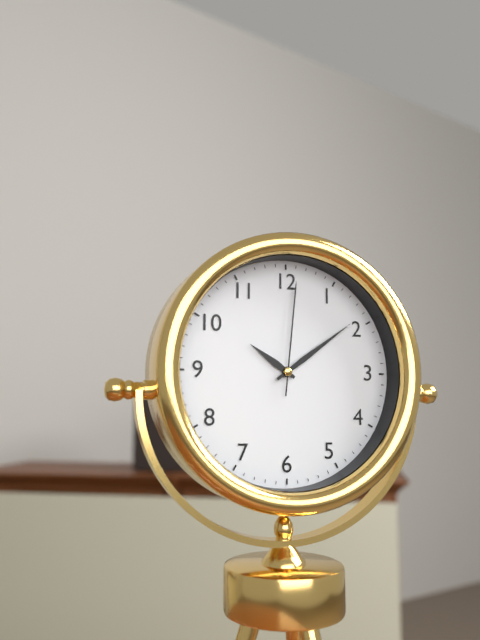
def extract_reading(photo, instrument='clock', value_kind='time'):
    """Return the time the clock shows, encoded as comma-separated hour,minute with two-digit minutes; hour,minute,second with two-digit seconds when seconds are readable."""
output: 10,09,01
